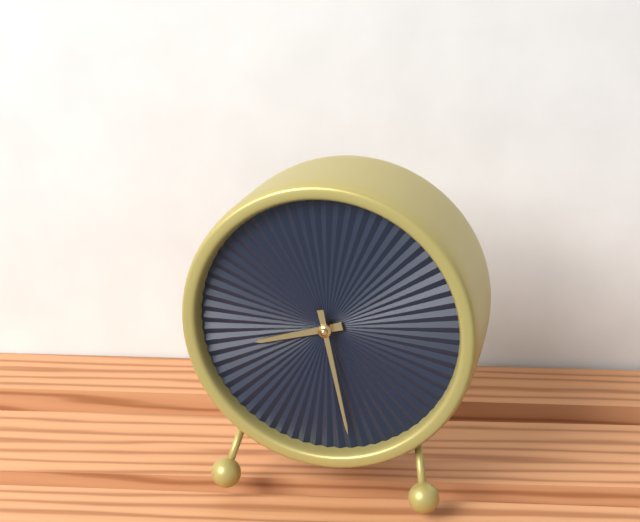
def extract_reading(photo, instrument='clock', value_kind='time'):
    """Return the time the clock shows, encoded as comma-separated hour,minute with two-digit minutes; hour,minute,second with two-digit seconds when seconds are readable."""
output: 8,28
